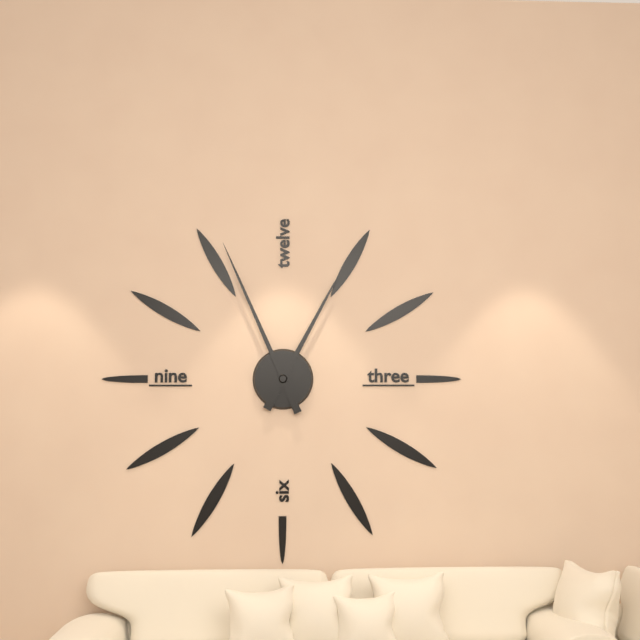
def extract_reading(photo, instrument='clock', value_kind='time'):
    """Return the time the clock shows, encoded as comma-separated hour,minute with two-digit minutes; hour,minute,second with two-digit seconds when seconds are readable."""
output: 12,56
